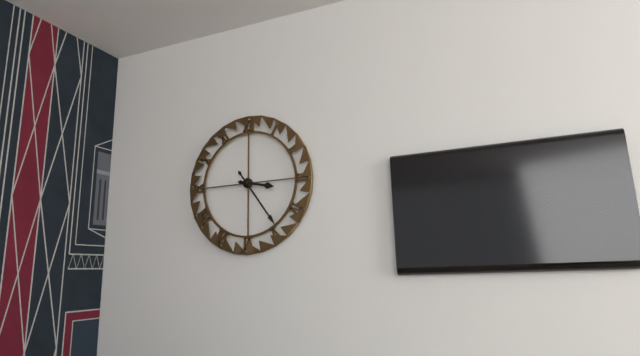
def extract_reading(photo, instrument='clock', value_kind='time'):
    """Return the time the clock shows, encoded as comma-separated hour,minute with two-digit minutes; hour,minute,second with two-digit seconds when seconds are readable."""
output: 3,24
